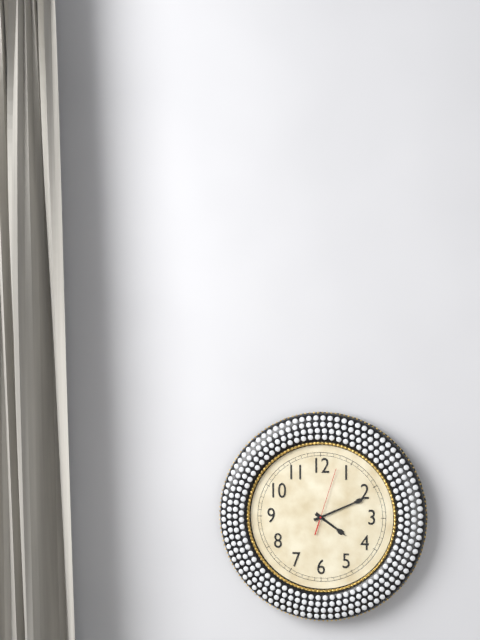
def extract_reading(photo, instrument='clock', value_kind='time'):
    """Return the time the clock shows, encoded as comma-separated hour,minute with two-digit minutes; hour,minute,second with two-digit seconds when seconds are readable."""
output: 4,11,03
